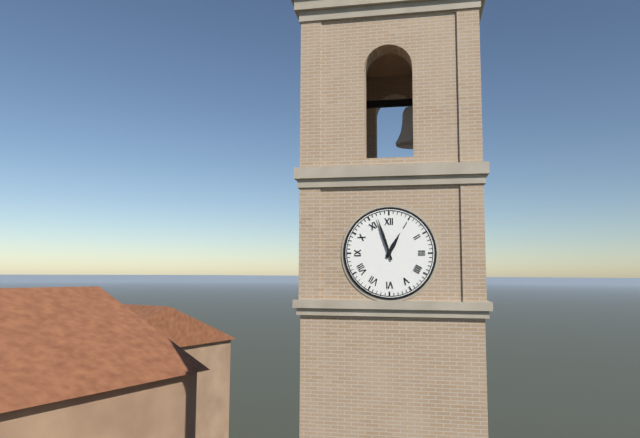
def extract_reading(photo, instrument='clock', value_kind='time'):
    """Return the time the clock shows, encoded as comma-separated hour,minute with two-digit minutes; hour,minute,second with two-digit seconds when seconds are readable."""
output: 12,57
